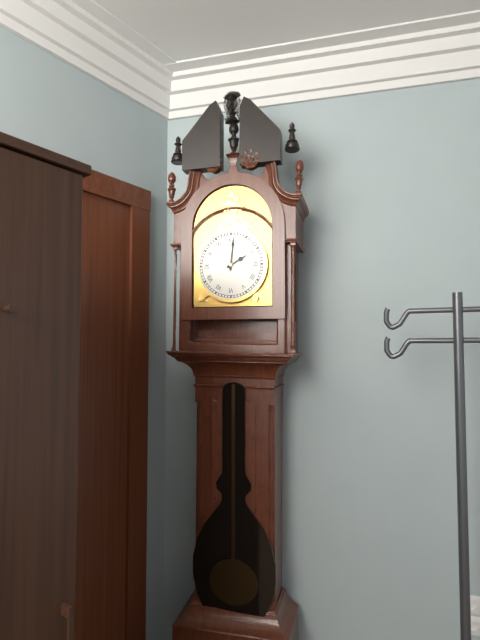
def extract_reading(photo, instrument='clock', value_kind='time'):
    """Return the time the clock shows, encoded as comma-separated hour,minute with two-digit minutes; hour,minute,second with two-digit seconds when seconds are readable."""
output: 2,01
